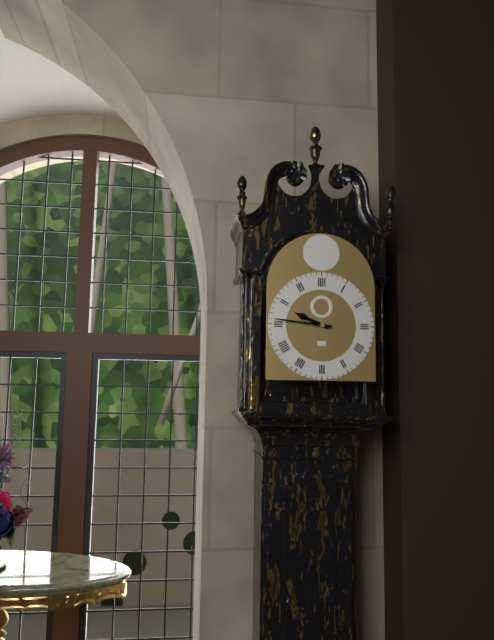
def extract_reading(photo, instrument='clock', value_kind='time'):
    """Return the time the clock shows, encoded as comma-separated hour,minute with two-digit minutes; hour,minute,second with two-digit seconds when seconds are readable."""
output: 9,46
